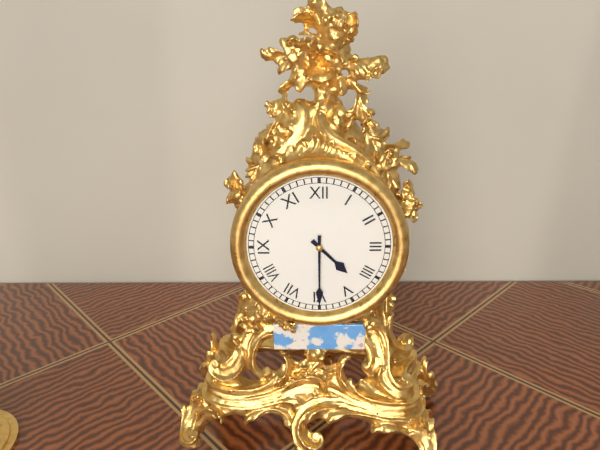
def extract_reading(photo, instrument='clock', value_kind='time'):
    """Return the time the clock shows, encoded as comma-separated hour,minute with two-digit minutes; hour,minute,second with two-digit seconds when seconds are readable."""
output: 4,30
